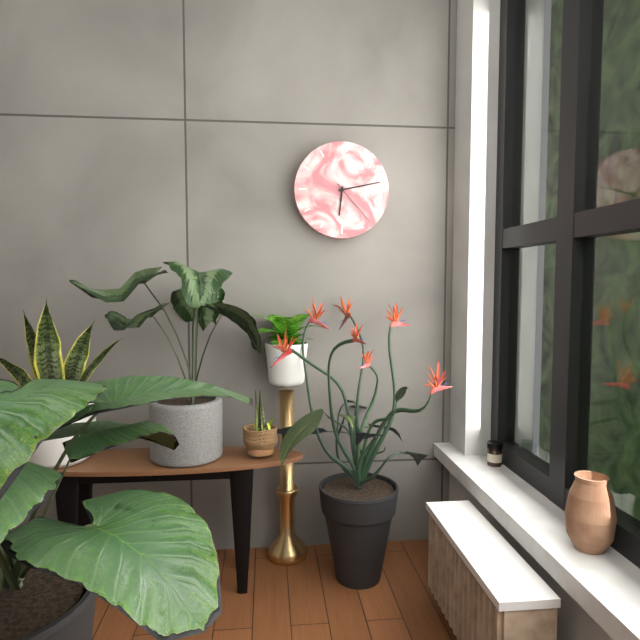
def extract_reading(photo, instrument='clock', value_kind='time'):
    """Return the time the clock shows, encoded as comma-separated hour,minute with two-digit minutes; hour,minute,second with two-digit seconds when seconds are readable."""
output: 6,13,23
